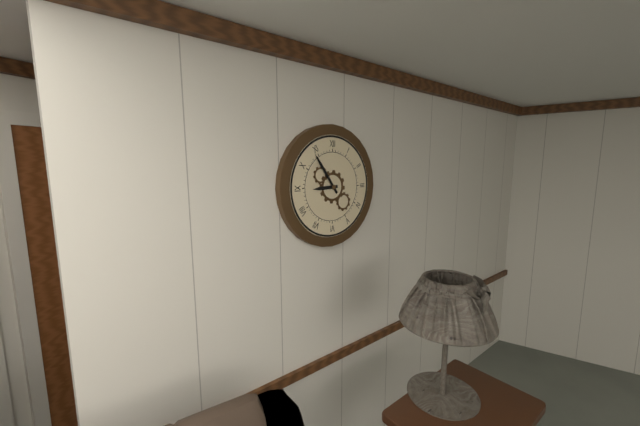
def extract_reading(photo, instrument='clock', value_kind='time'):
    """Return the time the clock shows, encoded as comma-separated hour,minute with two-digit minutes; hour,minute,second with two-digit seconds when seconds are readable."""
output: 8,54
